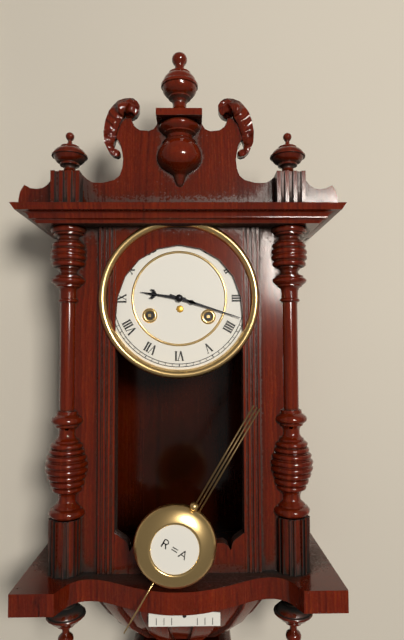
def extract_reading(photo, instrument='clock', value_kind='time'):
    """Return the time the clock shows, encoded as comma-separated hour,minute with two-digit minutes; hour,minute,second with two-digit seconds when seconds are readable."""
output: 9,18
